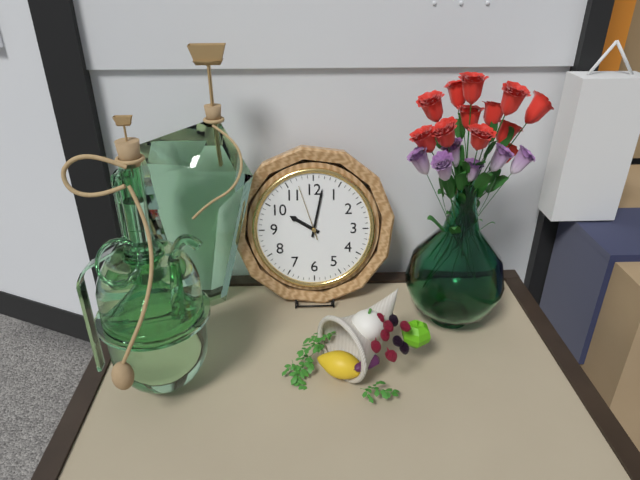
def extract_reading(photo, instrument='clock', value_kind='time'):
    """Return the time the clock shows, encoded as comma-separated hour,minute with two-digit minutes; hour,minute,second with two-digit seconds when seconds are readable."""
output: 10,02,57
